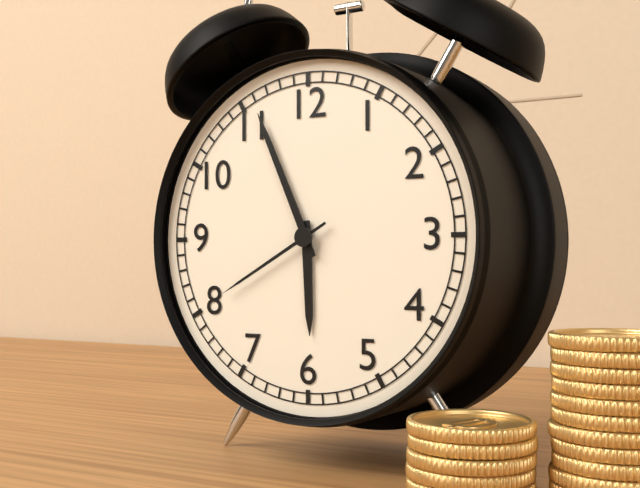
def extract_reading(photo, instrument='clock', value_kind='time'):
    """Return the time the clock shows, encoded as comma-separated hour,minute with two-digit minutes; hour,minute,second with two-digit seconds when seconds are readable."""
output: 5,56,40
